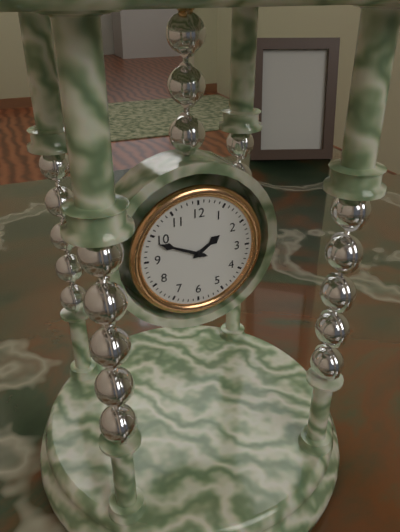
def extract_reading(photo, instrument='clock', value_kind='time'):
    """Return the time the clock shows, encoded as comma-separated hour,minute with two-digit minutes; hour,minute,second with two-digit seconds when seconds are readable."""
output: 1,49
